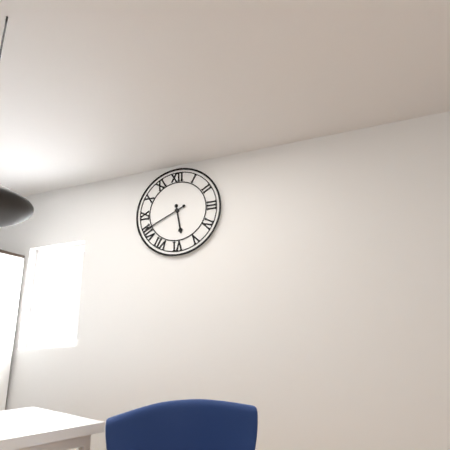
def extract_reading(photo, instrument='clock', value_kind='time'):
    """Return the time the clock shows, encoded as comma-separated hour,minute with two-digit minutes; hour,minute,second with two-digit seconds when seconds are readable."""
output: 5,41
